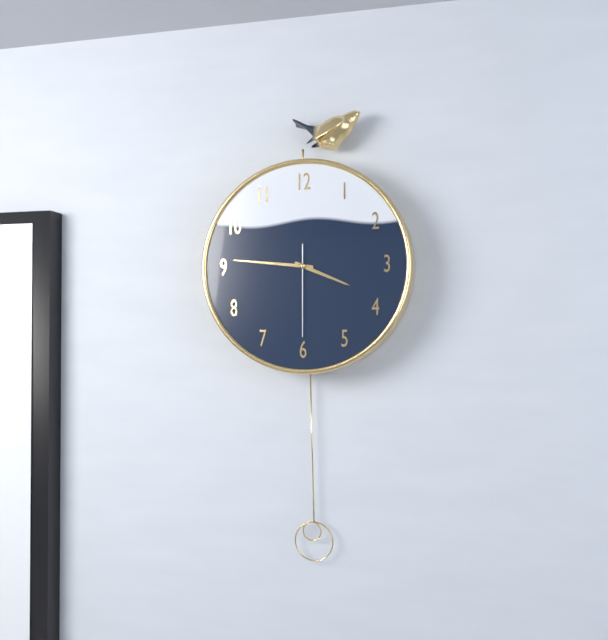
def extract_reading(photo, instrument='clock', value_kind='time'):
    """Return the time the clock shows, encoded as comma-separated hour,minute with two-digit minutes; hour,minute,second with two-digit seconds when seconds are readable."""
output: 3,46,30
